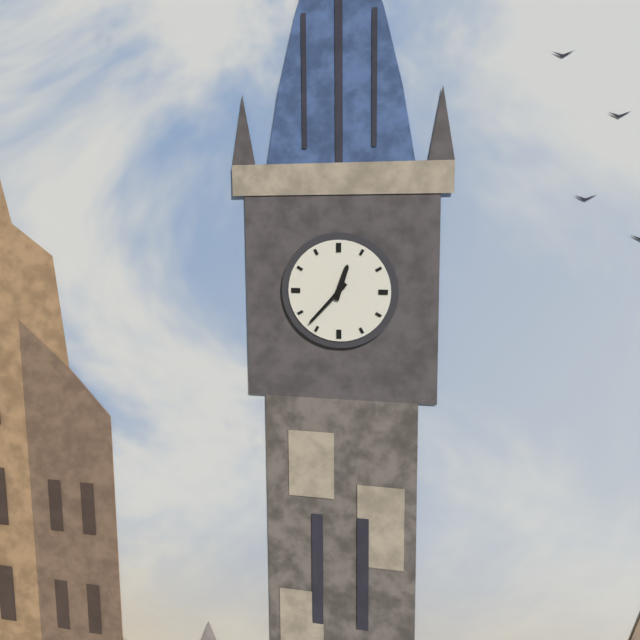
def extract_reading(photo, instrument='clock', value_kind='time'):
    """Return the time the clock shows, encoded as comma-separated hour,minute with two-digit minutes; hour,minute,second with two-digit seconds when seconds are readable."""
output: 12,37
